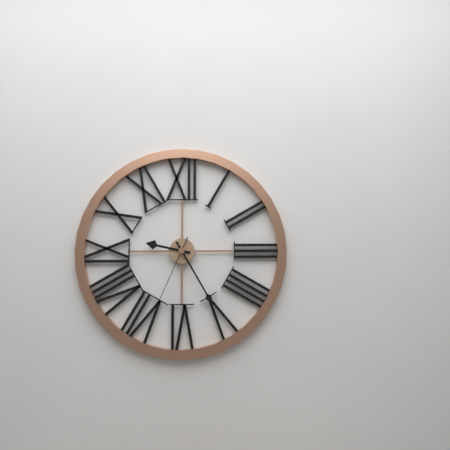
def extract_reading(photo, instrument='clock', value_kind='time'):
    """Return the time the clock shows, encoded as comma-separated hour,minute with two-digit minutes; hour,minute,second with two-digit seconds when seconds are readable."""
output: 9,25,34
